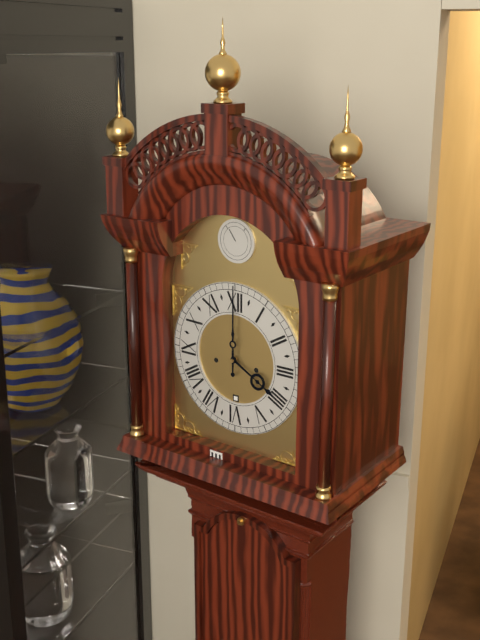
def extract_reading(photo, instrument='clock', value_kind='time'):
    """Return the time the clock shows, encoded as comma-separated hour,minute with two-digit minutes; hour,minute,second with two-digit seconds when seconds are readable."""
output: 4,00
